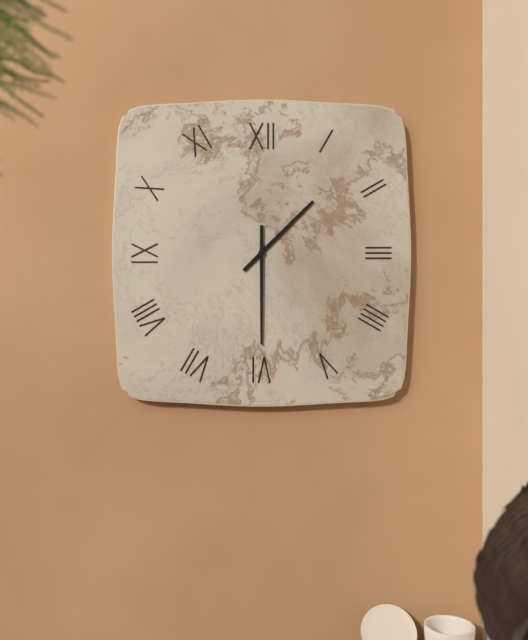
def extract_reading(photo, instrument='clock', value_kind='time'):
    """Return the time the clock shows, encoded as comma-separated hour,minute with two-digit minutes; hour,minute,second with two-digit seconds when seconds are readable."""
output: 1,30
